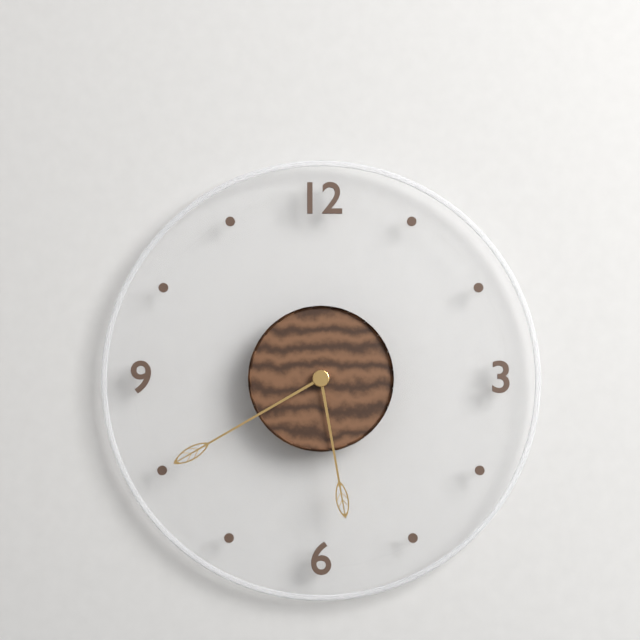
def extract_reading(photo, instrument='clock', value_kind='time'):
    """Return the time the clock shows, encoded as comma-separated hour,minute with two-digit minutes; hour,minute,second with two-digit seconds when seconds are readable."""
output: 5,40
